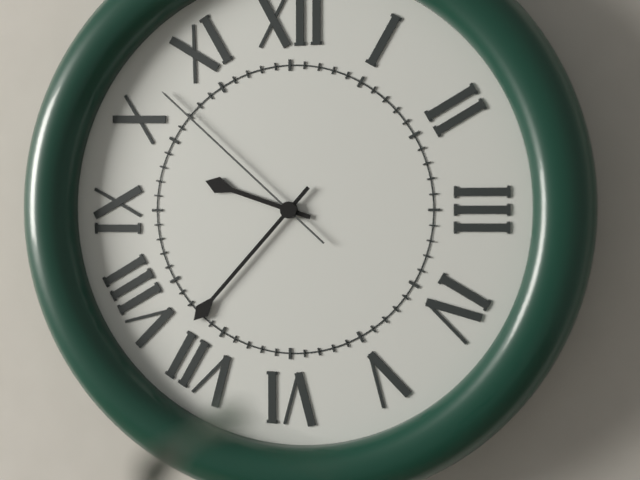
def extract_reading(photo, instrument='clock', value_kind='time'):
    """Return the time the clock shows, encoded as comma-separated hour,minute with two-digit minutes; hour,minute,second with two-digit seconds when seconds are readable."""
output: 9,37,52
